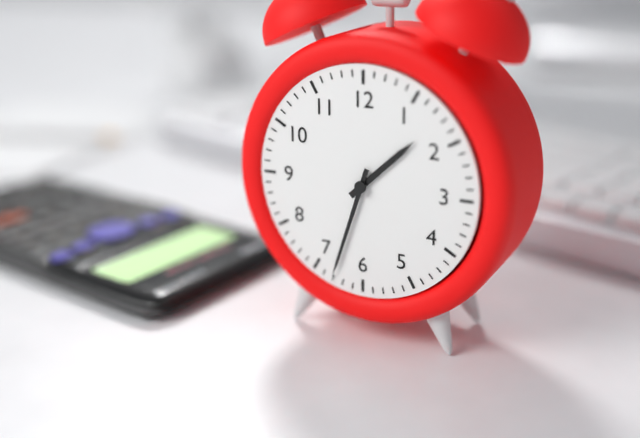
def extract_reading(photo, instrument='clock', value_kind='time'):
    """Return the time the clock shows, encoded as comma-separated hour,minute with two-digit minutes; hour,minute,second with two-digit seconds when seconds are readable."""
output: 1,33
